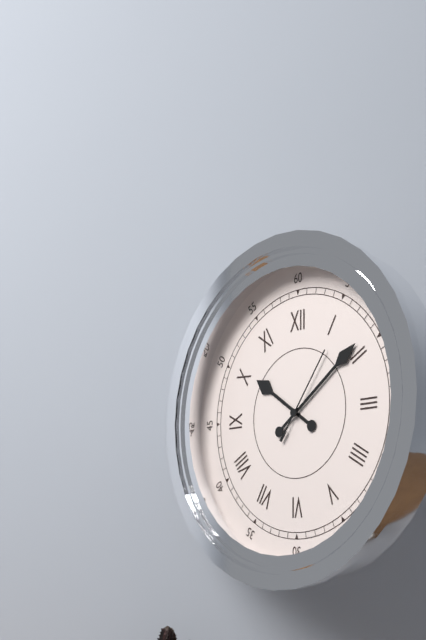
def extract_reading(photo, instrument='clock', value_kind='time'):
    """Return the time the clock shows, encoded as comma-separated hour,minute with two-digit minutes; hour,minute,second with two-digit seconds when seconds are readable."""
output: 10,09,06
